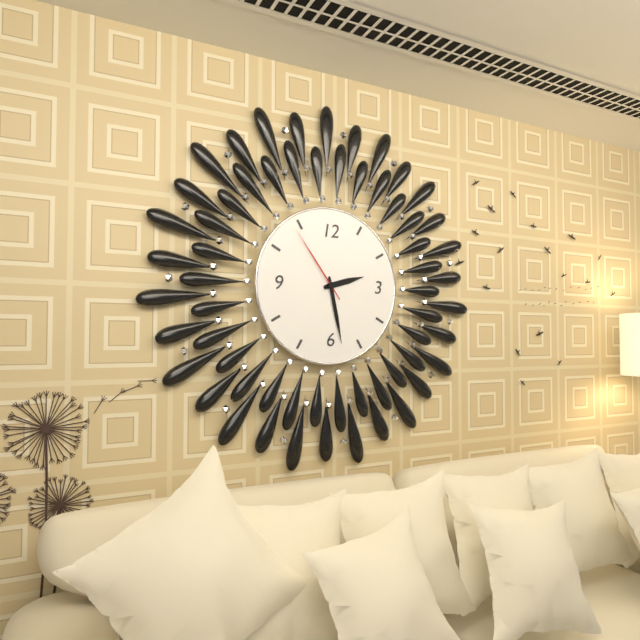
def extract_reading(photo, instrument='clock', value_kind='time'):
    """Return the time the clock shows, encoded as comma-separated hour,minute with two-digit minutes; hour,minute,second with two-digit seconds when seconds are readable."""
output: 2,28,54
